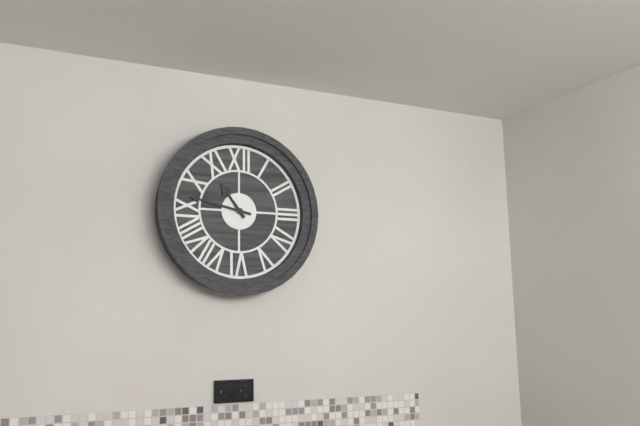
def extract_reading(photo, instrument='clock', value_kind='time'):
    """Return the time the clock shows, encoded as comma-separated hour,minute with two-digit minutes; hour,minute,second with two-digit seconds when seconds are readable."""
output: 10,47
